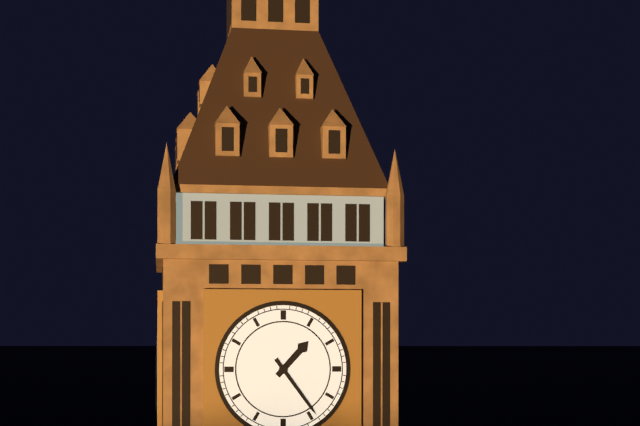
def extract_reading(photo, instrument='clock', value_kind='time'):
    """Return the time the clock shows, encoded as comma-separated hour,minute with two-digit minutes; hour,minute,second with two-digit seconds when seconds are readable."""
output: 1,24
